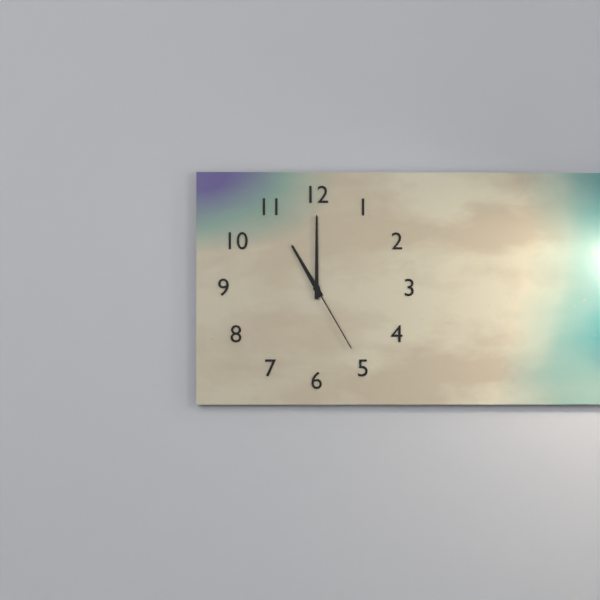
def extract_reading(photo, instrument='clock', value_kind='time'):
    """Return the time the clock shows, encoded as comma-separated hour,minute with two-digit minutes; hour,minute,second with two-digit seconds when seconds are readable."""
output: 11,00,25
